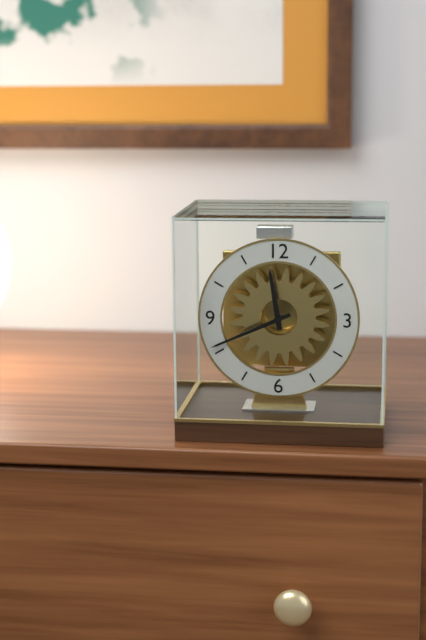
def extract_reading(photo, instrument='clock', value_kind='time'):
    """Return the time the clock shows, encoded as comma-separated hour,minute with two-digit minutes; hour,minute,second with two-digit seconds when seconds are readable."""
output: 11,41
